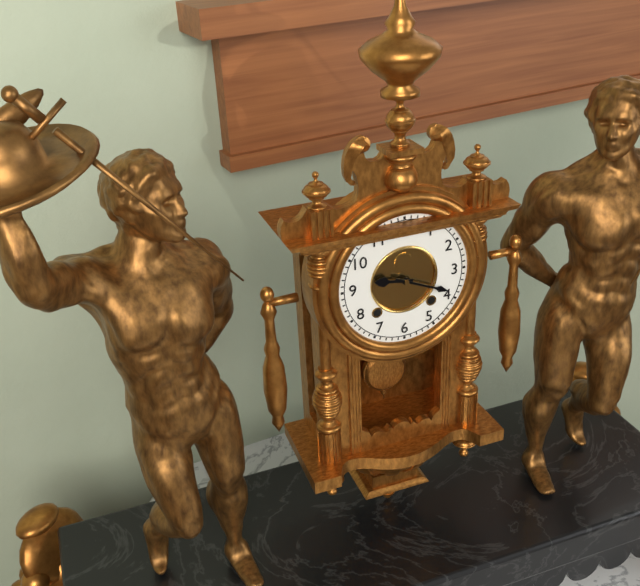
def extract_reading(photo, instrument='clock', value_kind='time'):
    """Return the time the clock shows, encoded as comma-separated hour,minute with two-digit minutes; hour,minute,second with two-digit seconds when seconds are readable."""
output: 9,19
